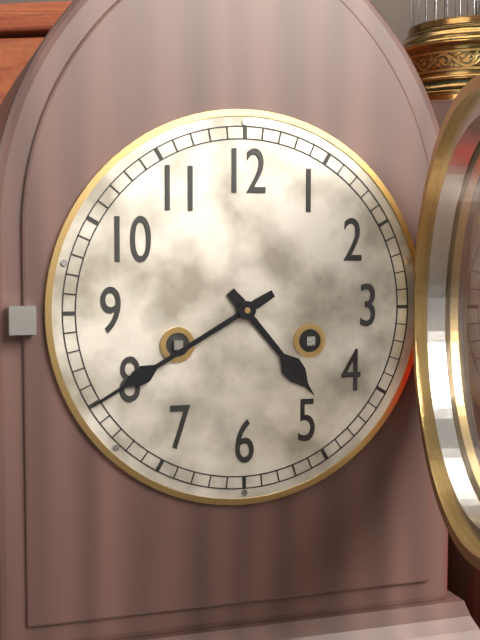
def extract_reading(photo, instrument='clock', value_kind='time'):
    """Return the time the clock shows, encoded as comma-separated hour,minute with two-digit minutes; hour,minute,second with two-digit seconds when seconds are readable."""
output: 4,40
